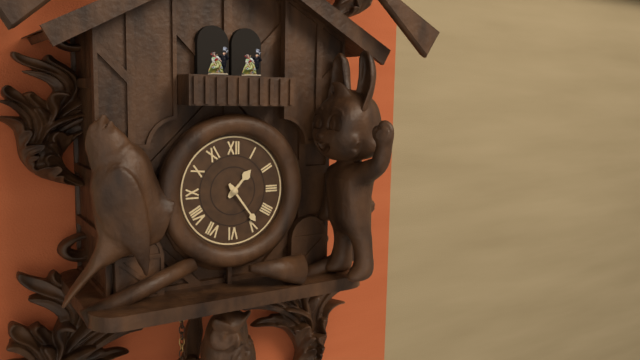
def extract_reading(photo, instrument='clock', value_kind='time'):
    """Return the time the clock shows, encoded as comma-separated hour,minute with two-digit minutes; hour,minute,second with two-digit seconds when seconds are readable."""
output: 1,24
